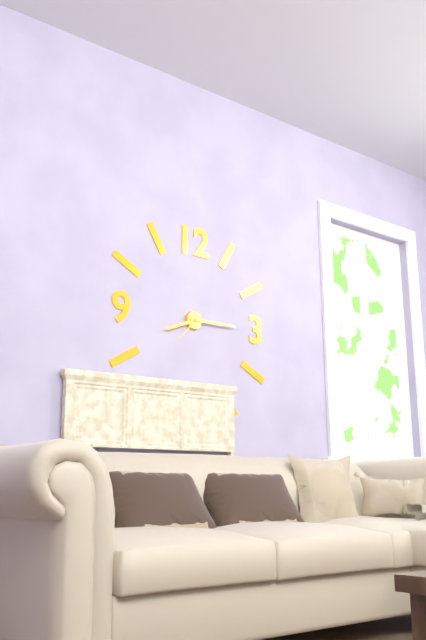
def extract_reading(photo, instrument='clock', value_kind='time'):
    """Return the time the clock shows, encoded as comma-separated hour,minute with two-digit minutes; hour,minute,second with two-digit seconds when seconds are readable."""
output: 8,15
